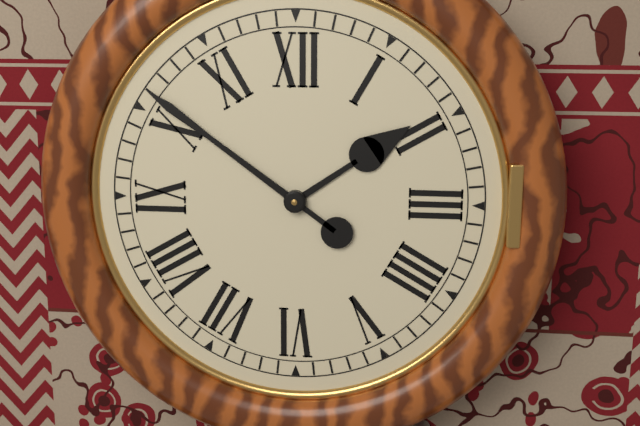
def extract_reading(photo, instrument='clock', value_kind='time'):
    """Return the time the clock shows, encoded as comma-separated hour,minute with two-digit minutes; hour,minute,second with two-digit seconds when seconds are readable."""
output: 1,51
